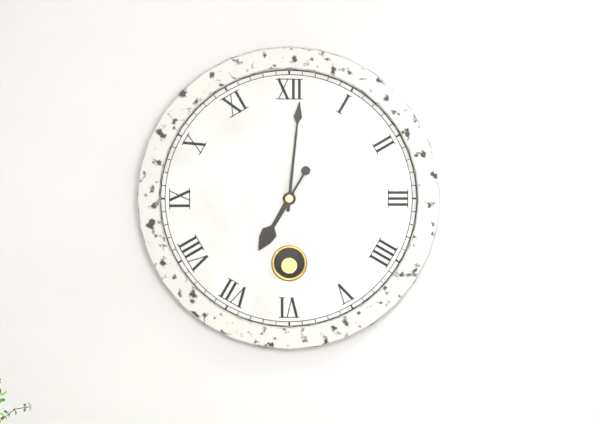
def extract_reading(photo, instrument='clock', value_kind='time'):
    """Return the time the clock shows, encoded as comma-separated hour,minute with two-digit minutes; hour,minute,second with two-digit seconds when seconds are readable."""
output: 7,01
